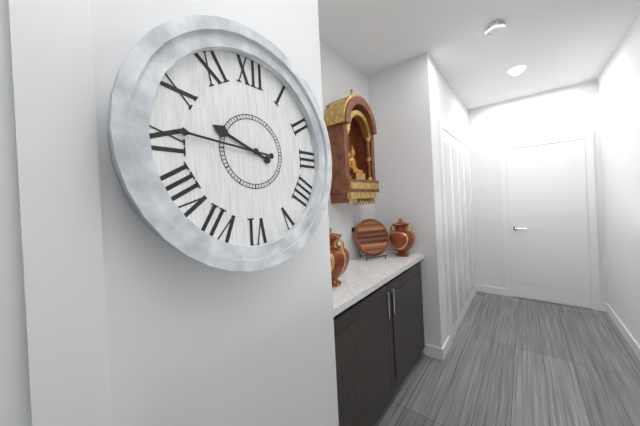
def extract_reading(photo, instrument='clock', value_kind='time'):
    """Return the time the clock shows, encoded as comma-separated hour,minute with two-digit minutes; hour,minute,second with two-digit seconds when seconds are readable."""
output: 9,46
